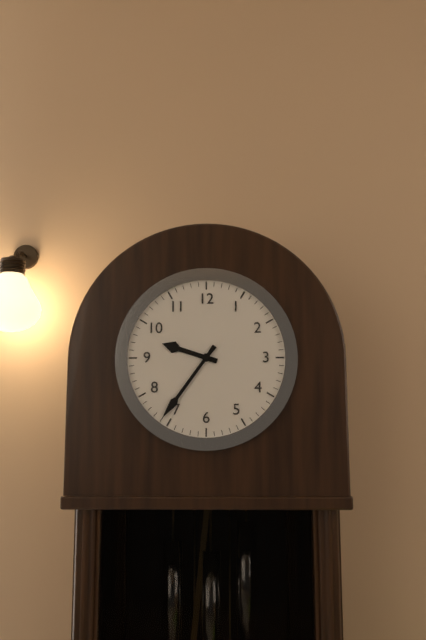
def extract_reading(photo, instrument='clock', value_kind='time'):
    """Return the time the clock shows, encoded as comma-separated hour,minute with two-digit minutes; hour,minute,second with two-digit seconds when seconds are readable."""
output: 9,36
